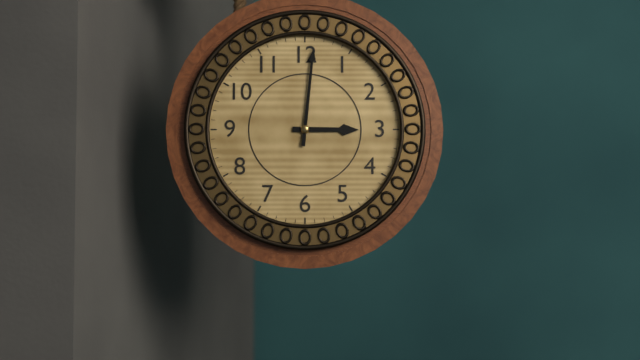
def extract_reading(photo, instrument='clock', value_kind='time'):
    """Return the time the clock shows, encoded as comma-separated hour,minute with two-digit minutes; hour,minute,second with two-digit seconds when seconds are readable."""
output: 3,01
